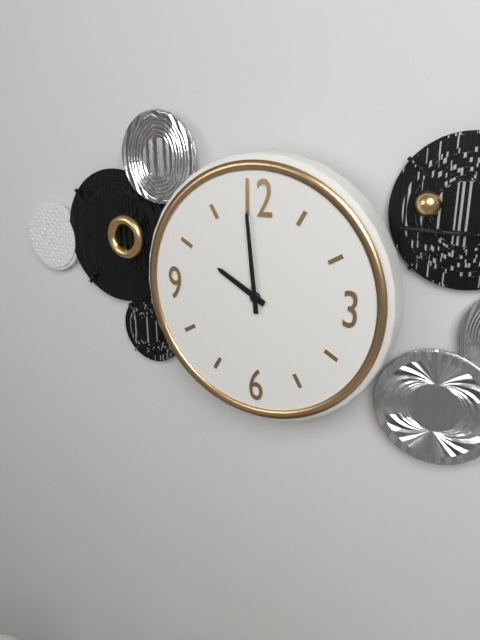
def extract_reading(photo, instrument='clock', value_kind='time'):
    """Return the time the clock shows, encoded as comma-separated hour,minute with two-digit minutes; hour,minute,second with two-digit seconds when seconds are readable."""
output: 9,59
